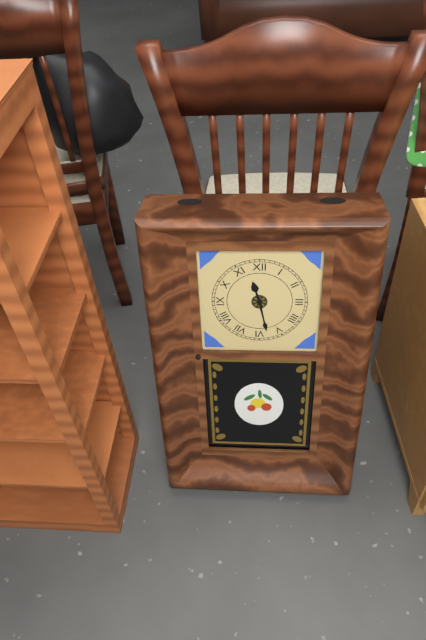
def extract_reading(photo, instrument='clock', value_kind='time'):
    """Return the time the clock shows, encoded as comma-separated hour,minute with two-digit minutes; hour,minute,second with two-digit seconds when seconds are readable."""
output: 11,28
